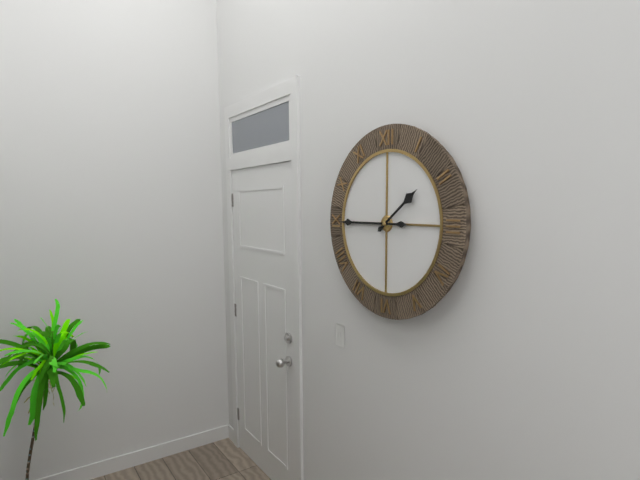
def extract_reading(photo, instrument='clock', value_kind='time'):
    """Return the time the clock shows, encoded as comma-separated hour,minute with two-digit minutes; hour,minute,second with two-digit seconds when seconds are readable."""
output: 1,45
